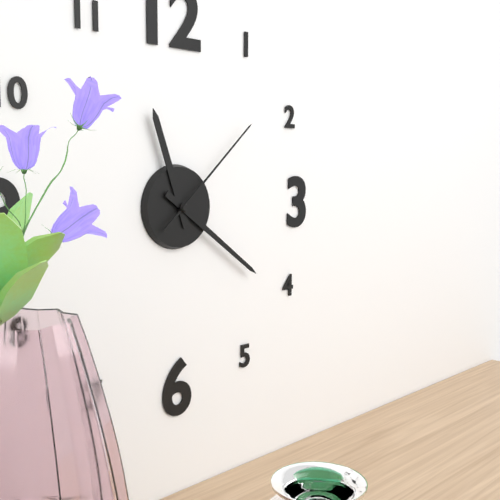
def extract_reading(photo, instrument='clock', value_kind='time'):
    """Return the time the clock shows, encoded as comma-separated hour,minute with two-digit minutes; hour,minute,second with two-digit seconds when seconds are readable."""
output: 11,21,08
